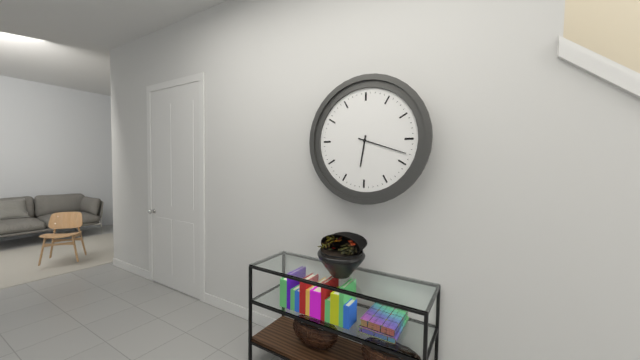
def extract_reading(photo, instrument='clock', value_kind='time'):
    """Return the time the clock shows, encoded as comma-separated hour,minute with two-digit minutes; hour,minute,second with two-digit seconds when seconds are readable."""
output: 6,18
